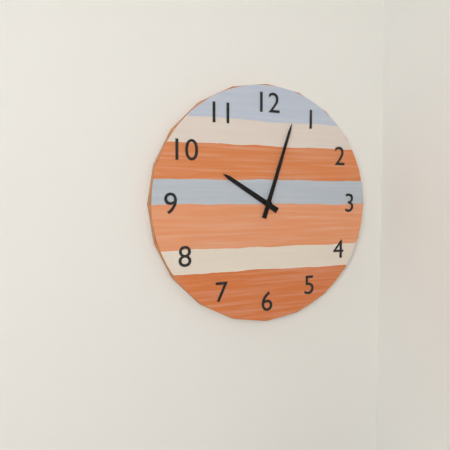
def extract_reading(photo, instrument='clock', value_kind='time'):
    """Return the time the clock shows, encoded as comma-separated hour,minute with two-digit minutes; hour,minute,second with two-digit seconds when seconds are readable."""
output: 10,03
